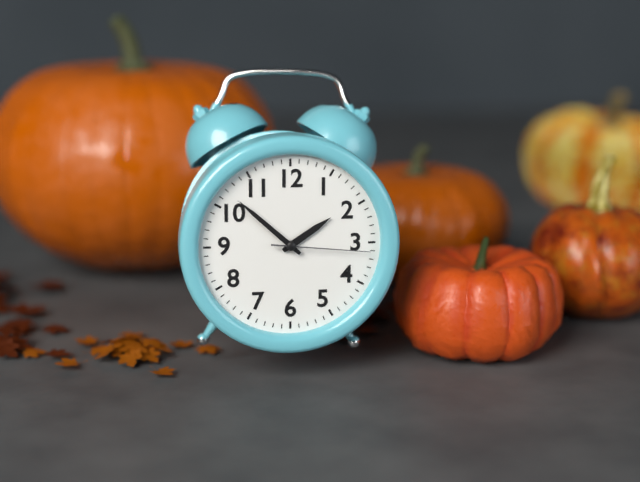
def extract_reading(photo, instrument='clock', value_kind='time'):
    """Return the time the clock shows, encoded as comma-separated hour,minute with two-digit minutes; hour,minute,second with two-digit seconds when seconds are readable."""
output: 1,52,16
